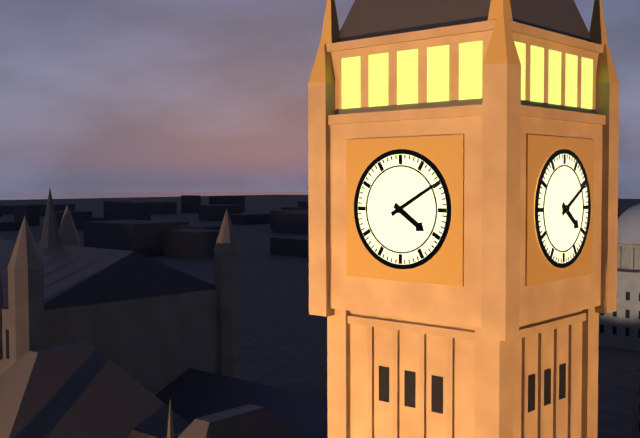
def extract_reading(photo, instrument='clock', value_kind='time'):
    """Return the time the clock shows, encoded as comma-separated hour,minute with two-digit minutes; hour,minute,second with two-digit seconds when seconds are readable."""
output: 4,10
